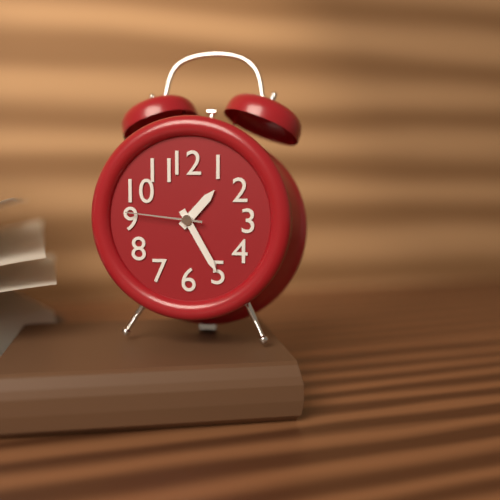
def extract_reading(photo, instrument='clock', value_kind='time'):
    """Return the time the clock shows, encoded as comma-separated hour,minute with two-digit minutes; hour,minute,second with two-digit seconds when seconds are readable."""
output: 1,25,46
